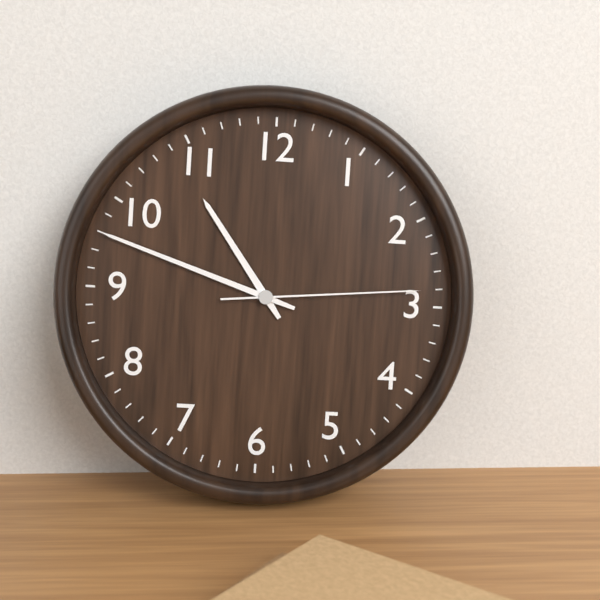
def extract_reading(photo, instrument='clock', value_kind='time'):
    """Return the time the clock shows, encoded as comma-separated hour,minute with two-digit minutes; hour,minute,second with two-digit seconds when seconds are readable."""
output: 10,48,14
